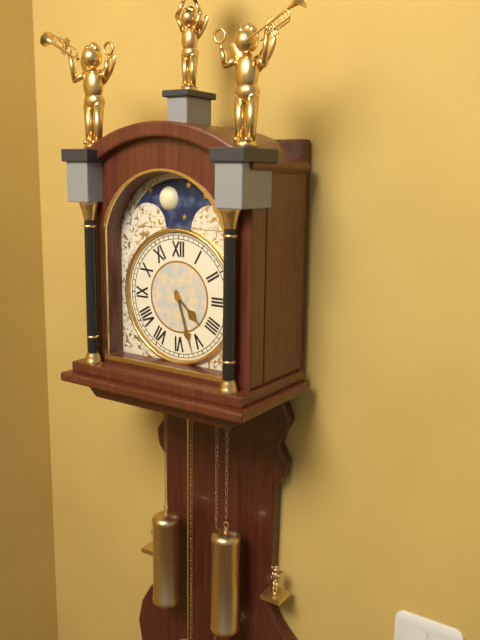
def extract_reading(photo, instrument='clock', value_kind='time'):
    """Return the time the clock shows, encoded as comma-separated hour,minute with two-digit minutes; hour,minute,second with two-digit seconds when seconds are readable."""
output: 4,27
